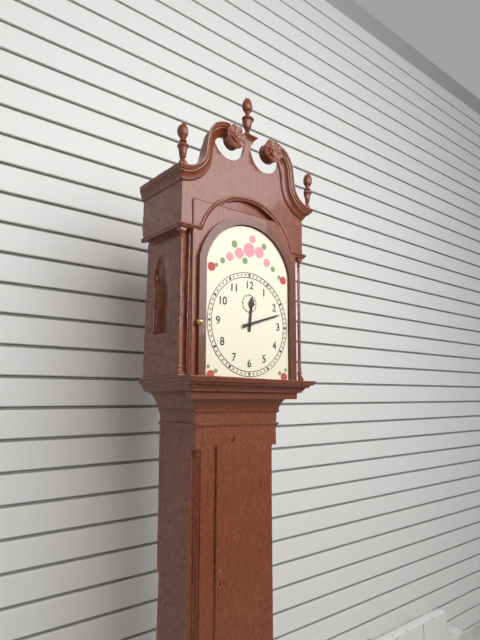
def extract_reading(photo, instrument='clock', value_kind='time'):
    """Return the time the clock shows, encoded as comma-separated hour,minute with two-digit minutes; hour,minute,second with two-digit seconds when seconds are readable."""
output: 12,12
